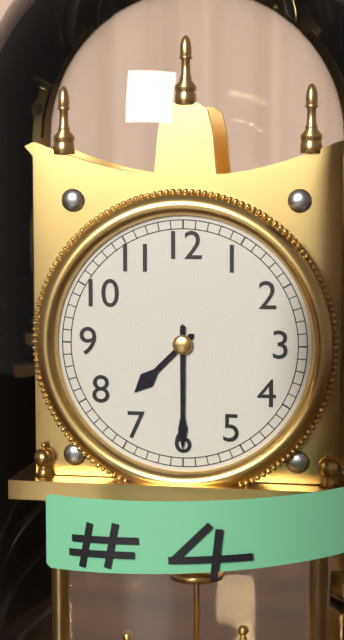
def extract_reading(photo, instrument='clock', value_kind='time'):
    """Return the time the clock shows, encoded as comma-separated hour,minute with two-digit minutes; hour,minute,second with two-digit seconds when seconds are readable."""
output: 7,30
